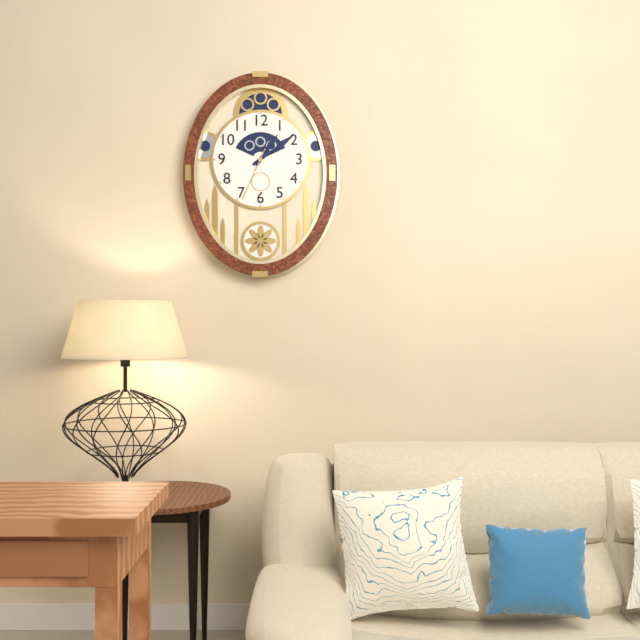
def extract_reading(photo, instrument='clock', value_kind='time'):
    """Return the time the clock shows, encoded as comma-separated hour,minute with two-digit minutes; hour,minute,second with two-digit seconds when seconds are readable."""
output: 1,09,34
